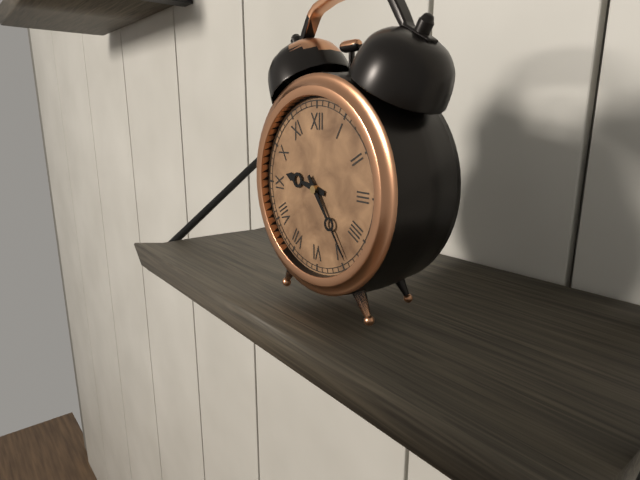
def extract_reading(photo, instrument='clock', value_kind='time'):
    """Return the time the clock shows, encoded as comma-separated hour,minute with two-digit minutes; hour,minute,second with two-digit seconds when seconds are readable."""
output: 9,24
